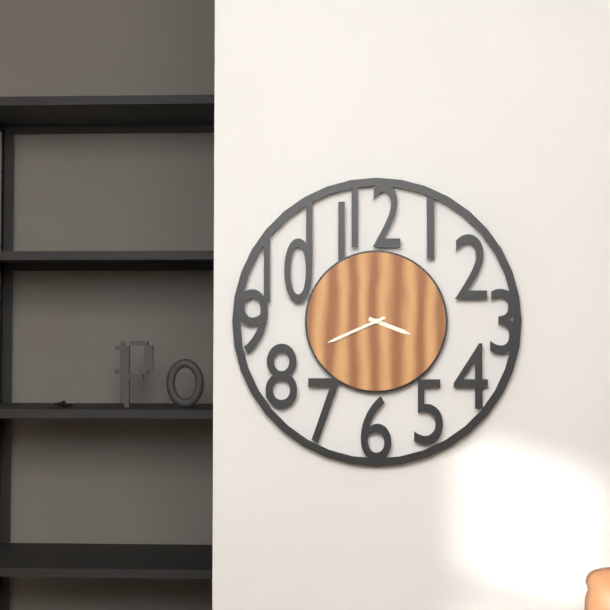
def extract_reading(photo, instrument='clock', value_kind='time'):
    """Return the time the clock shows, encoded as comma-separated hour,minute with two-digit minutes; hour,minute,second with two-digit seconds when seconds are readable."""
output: 3,41
